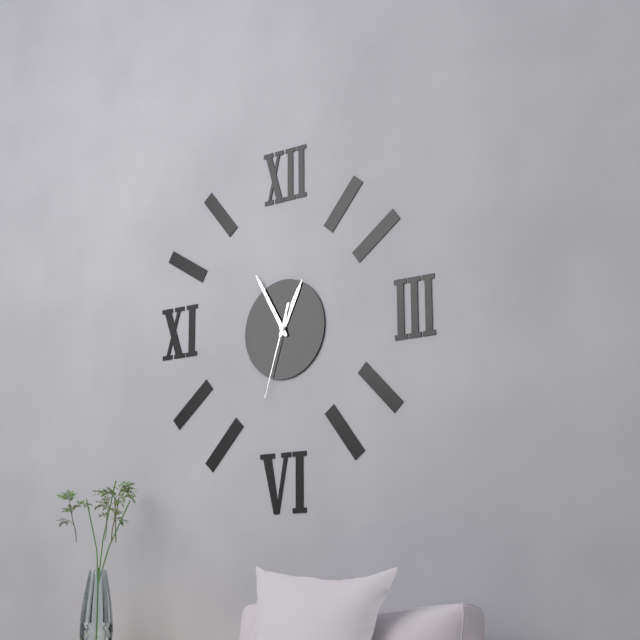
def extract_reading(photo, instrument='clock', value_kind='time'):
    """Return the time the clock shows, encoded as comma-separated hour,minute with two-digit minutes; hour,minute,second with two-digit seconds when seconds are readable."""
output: 12,55,33
